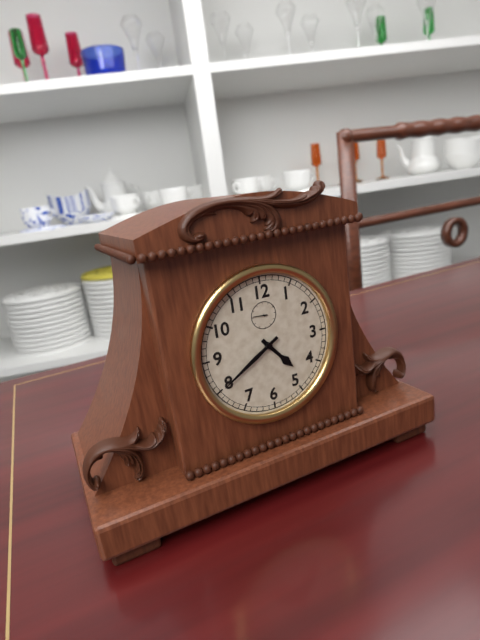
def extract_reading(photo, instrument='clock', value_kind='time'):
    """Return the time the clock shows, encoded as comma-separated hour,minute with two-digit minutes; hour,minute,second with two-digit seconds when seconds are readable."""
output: 4,40
